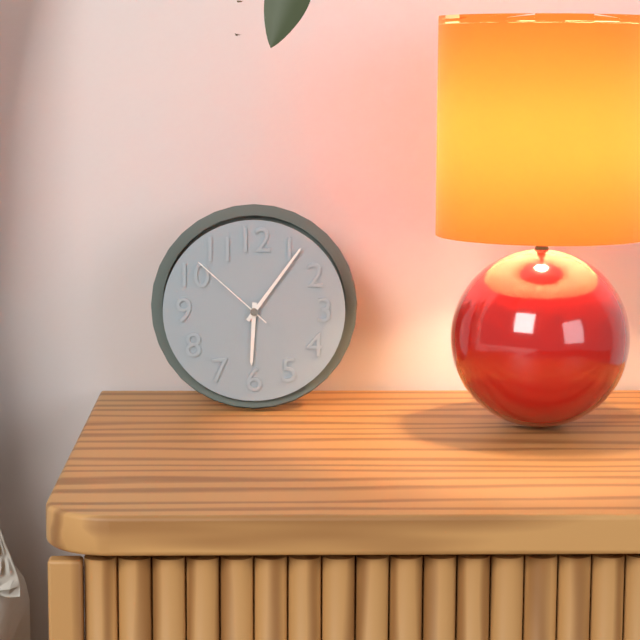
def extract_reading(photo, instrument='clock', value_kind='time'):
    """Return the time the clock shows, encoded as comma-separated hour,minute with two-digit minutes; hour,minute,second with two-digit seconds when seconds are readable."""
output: 6,06,52
